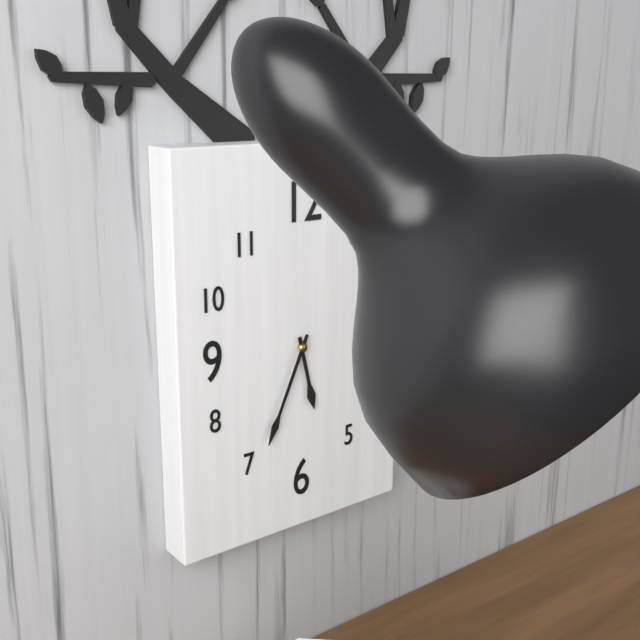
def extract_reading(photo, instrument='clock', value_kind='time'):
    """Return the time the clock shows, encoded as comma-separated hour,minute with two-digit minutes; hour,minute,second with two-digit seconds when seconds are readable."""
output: 5,34
